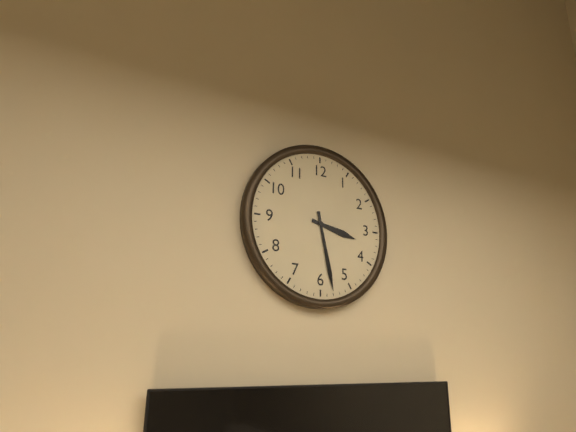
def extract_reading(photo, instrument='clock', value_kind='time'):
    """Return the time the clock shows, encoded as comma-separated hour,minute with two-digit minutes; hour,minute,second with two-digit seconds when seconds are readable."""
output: 3,28
